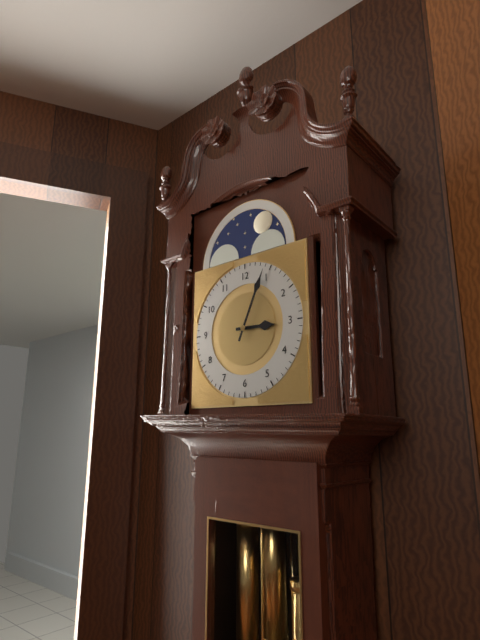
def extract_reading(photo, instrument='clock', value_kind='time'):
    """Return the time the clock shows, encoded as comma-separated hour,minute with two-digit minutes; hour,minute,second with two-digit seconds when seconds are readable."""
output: 3,04
